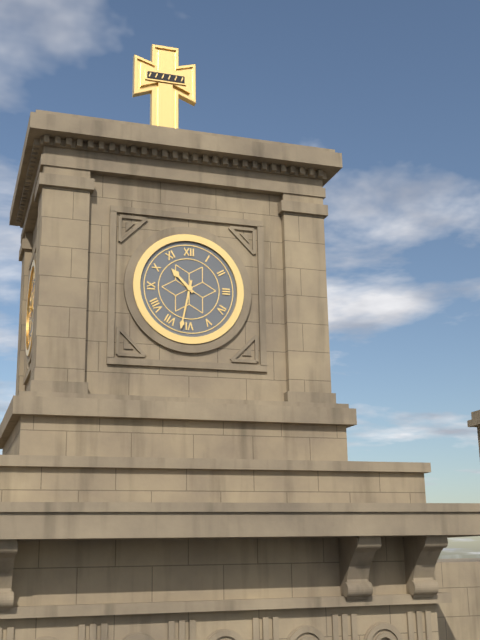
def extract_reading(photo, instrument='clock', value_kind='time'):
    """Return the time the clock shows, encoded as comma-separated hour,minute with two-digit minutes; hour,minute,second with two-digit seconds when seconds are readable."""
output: 10,32
